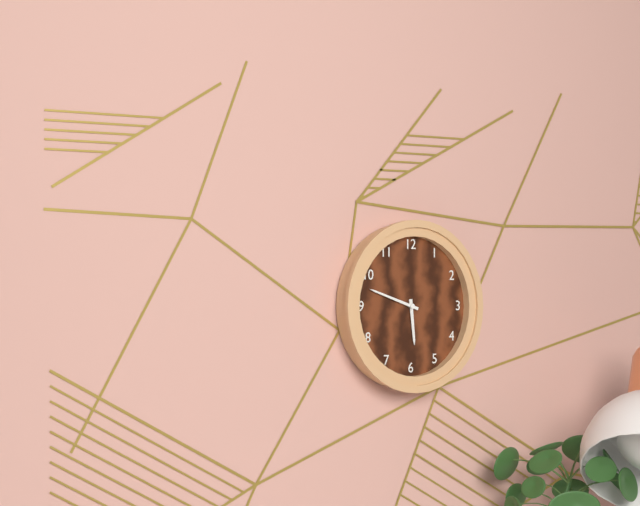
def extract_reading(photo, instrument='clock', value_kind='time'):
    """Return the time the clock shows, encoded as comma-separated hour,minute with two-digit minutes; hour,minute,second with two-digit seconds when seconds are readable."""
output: 5,48
